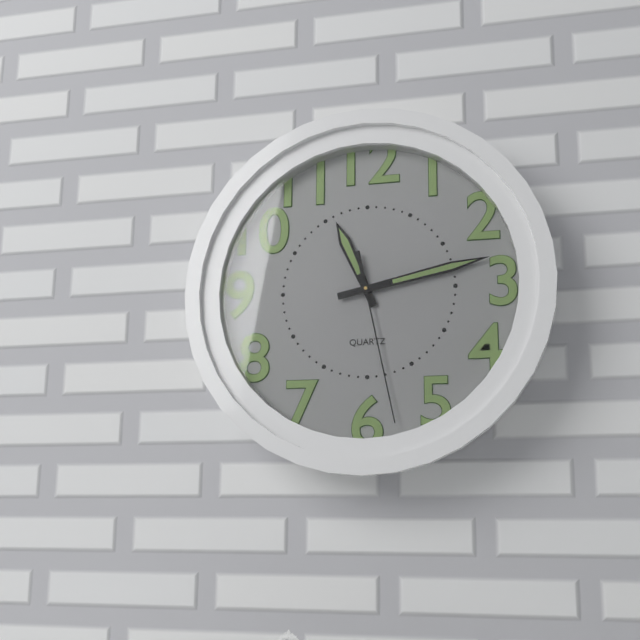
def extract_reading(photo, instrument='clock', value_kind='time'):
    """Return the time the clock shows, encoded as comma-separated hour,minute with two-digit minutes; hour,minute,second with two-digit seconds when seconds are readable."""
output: 11,13,28
